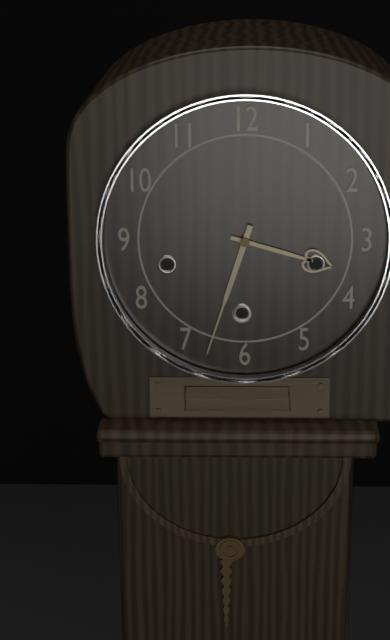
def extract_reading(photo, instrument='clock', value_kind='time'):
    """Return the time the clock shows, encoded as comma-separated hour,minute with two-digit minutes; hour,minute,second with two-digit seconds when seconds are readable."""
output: 3,33
